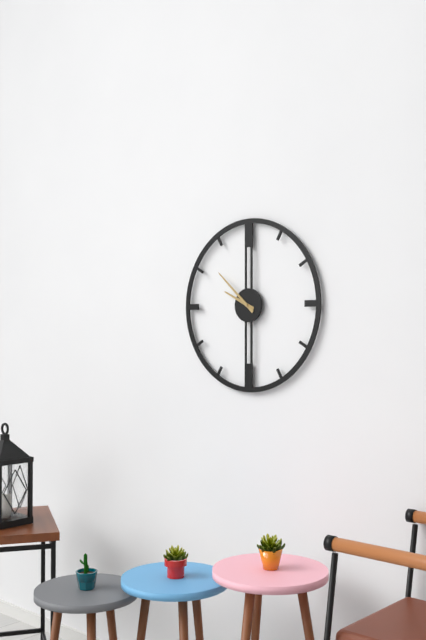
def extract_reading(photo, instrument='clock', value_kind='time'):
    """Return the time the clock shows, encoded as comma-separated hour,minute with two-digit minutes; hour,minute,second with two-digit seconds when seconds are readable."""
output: 9,52
